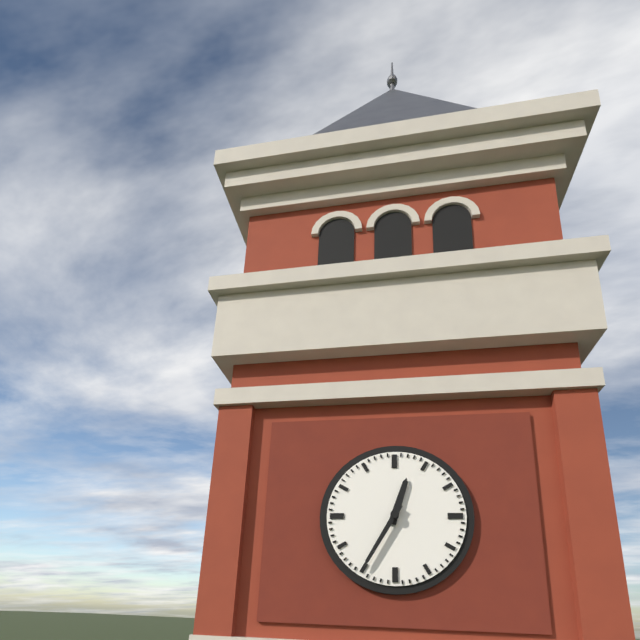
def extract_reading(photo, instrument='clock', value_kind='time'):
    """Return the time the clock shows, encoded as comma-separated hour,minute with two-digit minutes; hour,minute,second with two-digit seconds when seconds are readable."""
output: 12,35
